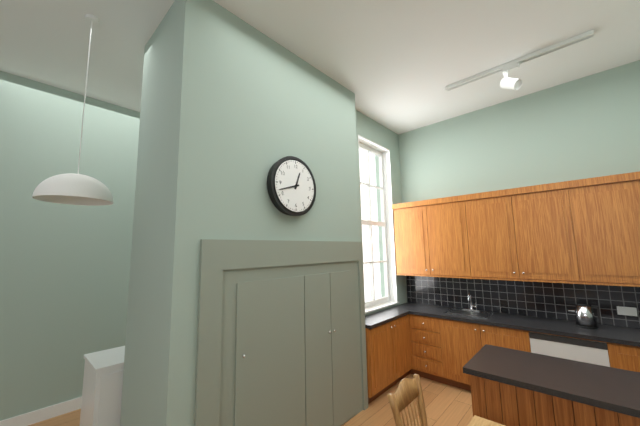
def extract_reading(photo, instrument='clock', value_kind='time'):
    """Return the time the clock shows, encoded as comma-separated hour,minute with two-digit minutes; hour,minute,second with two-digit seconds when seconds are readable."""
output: 12,42
